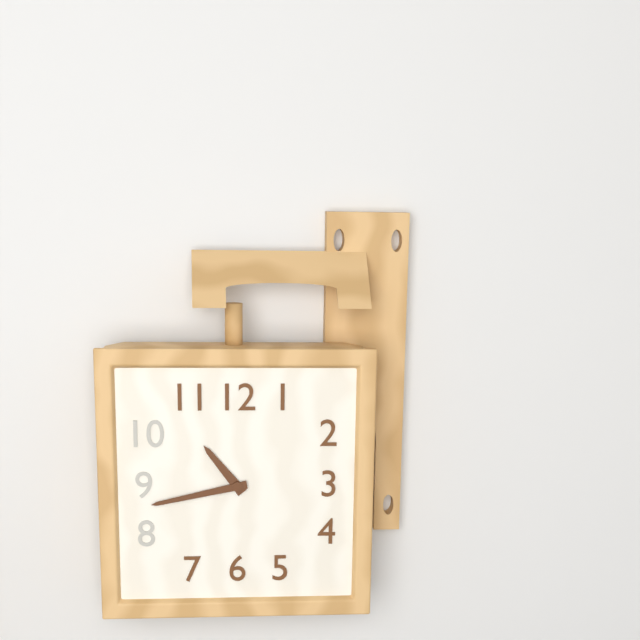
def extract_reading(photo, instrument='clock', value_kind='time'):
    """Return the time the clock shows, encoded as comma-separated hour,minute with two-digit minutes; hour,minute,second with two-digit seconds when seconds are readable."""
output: 10,43
